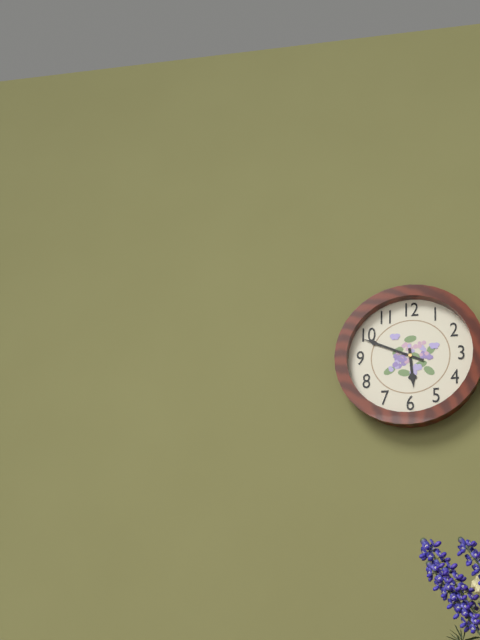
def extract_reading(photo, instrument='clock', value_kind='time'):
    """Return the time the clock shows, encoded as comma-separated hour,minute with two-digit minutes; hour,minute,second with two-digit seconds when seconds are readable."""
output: 5,49
